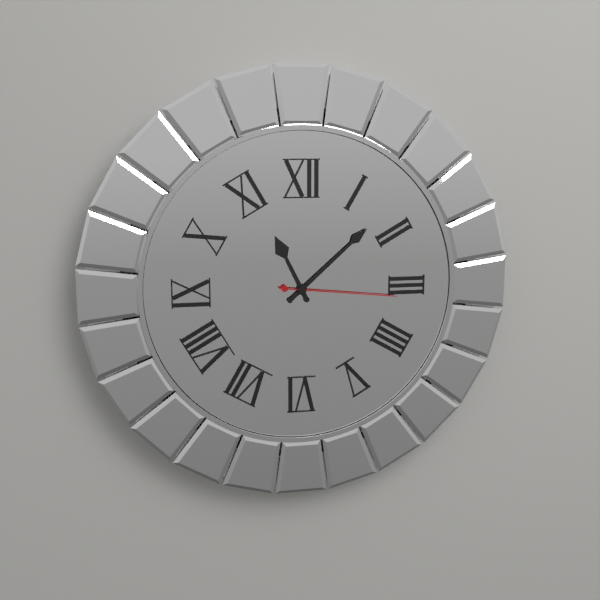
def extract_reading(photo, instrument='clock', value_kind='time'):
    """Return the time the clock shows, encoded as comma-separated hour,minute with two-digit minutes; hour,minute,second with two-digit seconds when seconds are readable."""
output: 11,08,16
